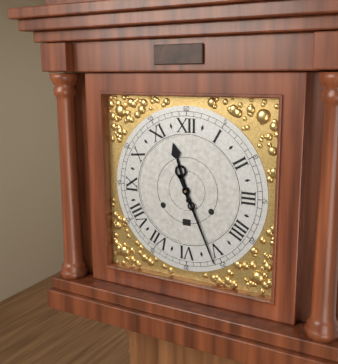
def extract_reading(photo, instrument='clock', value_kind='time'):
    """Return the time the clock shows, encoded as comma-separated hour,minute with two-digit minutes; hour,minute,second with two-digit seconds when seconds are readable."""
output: 11,26
